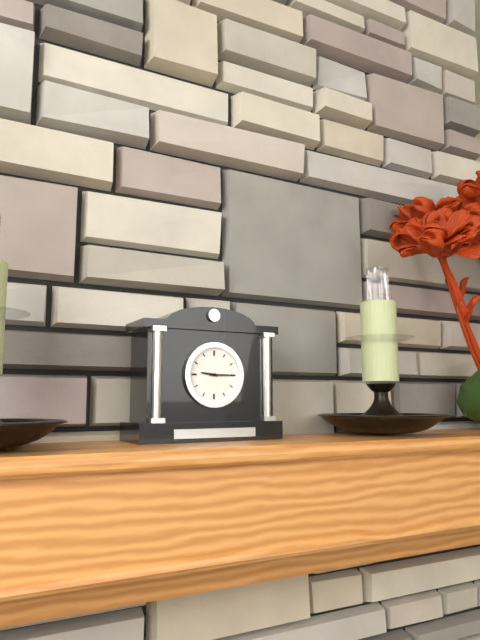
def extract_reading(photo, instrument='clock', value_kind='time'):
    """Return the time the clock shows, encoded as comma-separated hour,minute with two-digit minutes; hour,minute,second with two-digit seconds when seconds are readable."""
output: 9,15
